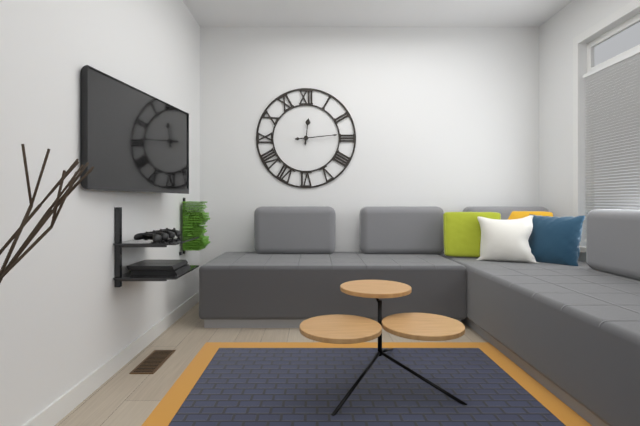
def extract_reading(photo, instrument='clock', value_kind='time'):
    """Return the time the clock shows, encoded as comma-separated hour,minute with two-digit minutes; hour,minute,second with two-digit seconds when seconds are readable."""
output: 12,14
